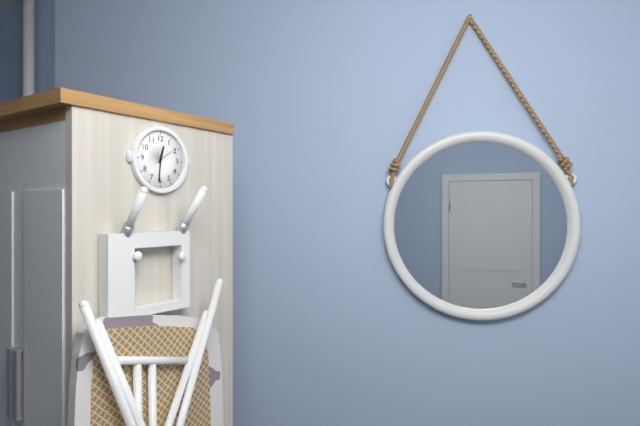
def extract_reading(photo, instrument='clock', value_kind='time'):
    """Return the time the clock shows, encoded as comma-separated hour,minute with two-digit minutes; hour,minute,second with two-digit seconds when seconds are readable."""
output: 12,31
